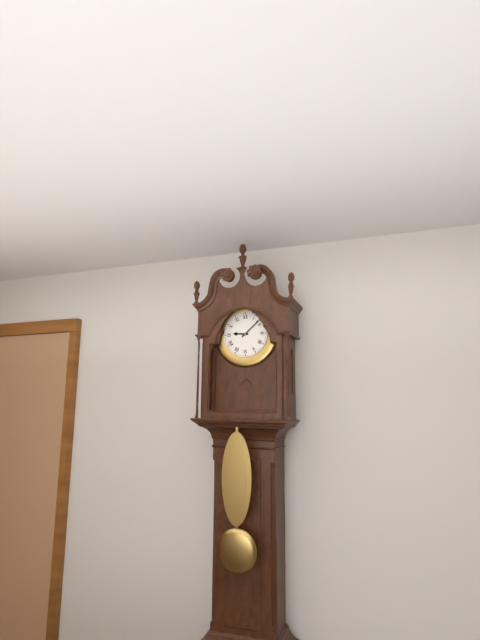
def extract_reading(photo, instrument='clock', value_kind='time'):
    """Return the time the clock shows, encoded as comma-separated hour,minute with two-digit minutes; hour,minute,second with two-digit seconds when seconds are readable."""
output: 9,08
